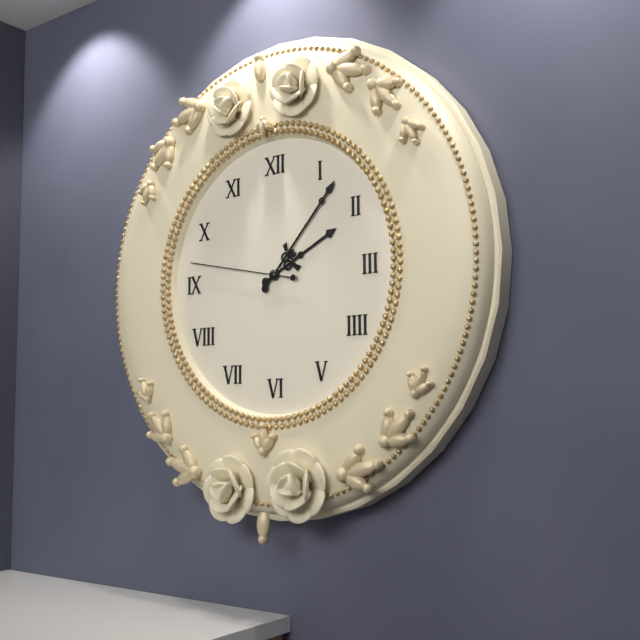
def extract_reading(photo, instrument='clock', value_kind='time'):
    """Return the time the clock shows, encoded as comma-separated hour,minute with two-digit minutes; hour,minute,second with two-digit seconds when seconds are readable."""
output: 2,07,47
